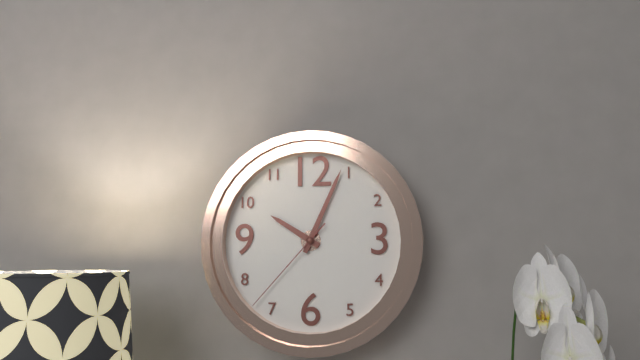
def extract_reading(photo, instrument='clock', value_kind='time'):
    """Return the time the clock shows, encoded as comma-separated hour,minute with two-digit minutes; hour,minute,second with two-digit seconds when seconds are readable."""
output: 10,04,37
